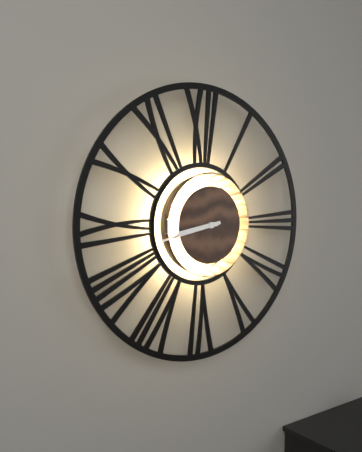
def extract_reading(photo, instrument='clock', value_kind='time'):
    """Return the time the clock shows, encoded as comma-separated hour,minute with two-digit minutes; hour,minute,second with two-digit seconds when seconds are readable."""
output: 8,43
